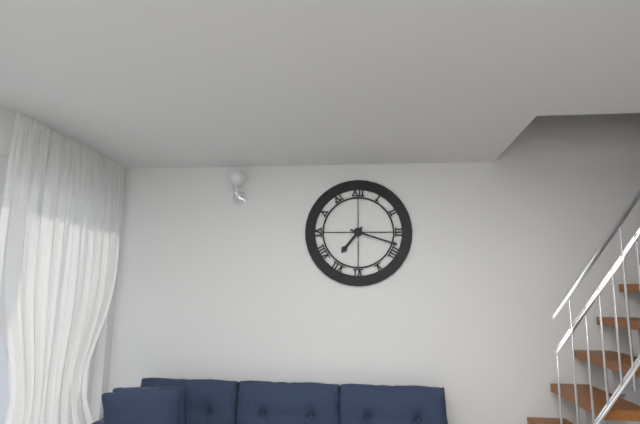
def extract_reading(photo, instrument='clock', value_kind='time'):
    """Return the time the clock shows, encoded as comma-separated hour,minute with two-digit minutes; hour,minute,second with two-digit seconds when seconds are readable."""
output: 7,18
